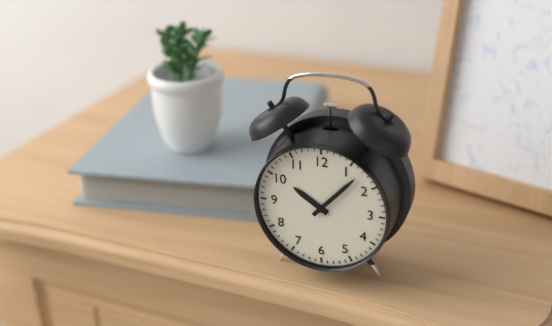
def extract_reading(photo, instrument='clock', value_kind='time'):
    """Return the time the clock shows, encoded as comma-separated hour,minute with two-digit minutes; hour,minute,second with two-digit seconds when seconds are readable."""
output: 10,07
